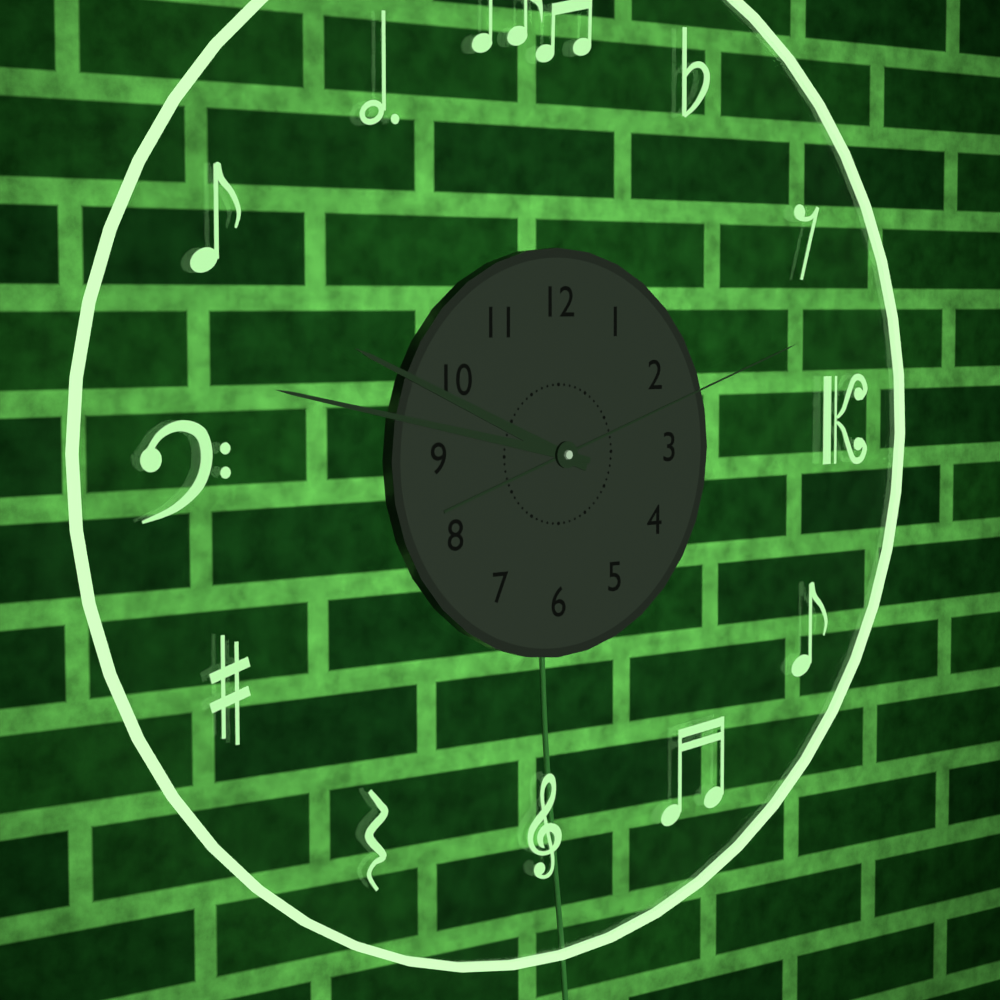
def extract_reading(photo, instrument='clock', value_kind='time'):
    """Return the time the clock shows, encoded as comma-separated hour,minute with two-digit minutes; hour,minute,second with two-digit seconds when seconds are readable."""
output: 9,47,12
